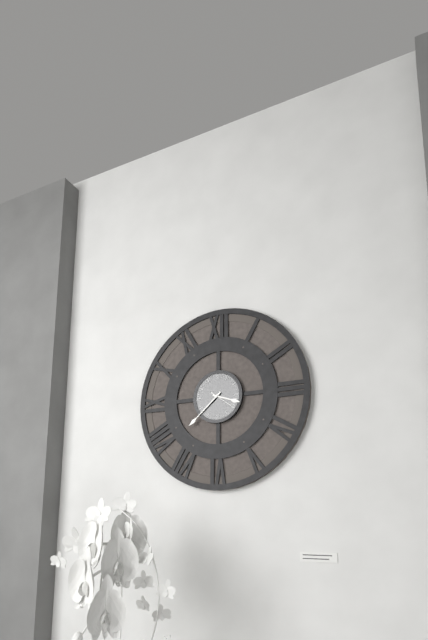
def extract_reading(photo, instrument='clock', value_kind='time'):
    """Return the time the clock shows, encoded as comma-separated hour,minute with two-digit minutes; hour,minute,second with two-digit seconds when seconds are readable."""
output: 3,38
